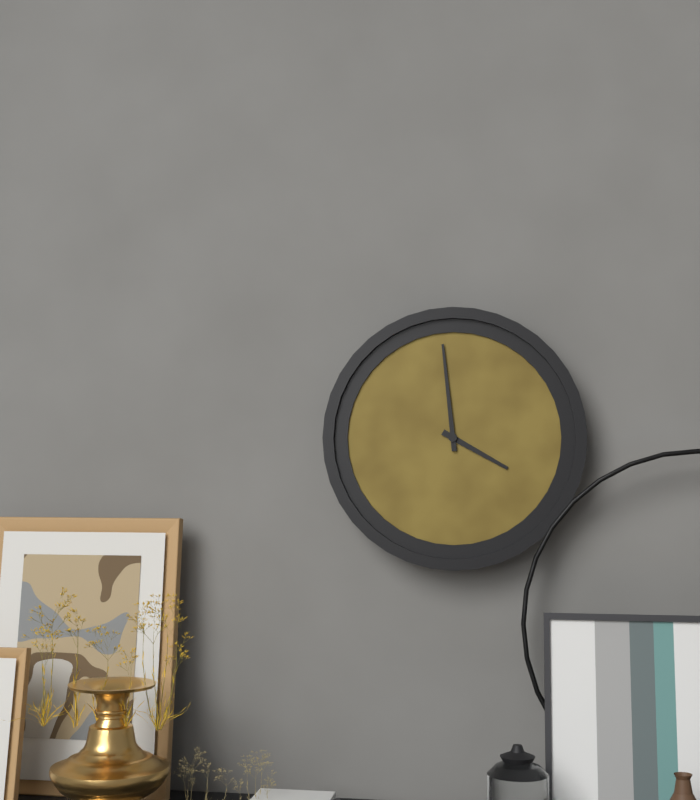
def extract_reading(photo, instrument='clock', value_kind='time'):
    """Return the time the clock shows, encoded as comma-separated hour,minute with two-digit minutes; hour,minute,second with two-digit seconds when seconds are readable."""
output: 3,59
